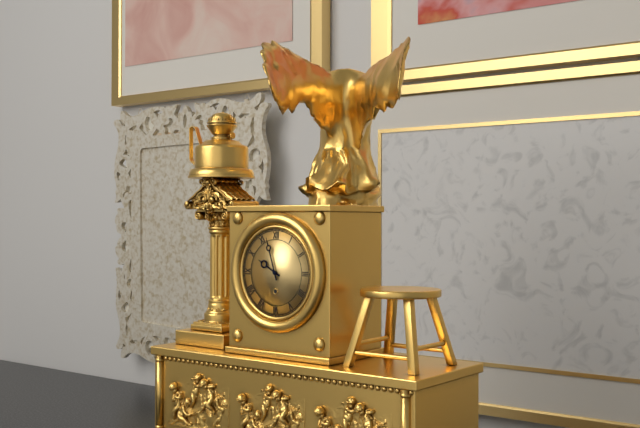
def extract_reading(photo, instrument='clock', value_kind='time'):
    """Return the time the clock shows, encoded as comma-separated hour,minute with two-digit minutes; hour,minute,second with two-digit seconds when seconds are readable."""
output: 9,57
